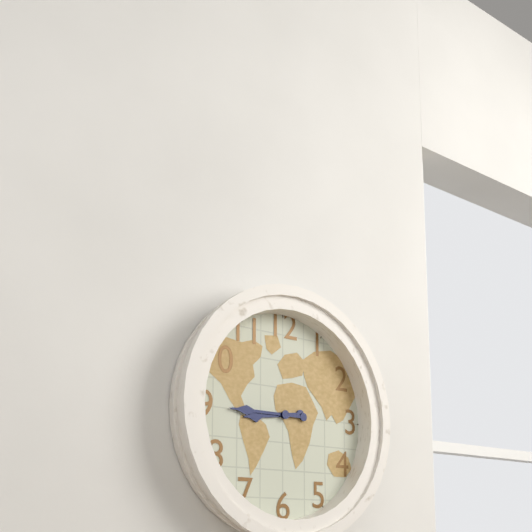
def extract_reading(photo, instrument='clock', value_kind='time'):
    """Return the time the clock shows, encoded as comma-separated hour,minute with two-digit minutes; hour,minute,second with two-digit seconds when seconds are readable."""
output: 8,45
